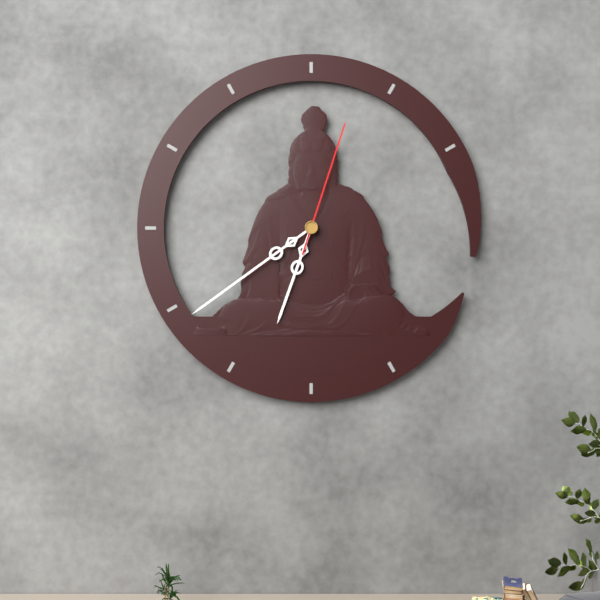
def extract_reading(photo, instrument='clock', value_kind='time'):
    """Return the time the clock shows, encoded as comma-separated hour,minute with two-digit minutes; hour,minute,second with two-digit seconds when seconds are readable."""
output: 6,39,03
